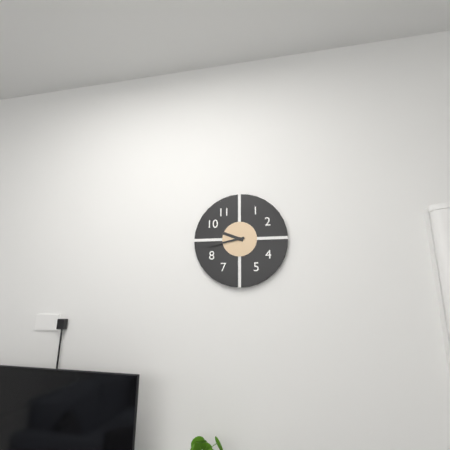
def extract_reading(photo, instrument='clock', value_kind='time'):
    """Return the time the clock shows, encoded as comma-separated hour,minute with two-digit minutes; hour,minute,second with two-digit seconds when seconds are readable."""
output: 9,43
